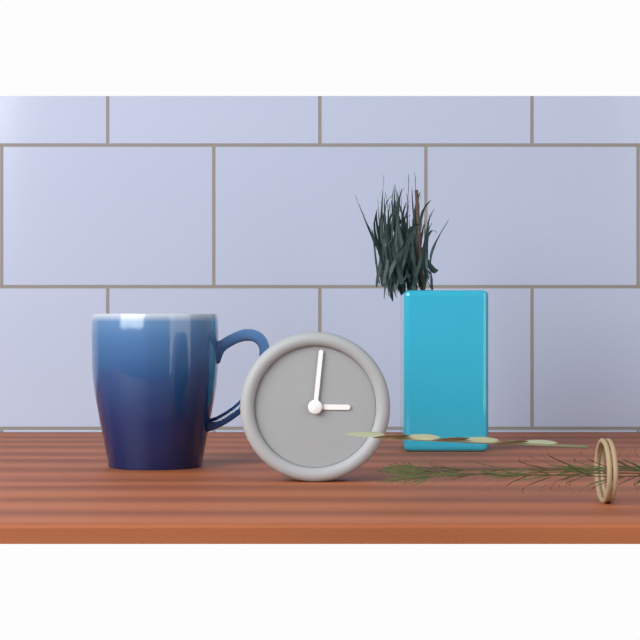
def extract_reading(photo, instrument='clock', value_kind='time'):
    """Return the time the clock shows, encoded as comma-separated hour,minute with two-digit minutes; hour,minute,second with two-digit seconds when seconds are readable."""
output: 3,01
